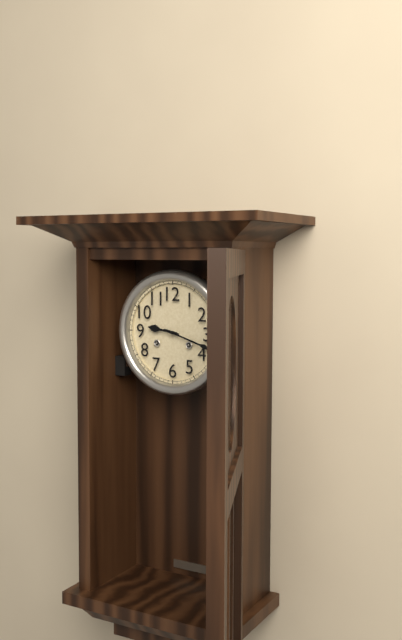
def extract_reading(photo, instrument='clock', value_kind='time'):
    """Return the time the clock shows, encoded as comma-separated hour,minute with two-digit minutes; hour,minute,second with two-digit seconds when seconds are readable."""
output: 9,18
